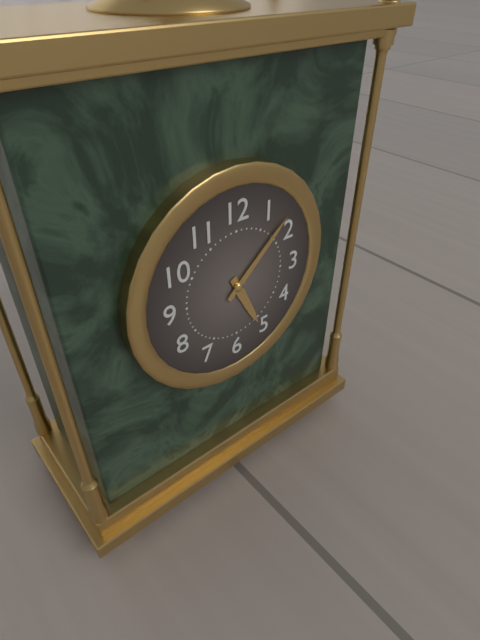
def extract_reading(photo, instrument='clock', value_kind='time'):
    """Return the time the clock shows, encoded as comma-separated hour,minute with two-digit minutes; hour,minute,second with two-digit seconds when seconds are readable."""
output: 5,08
